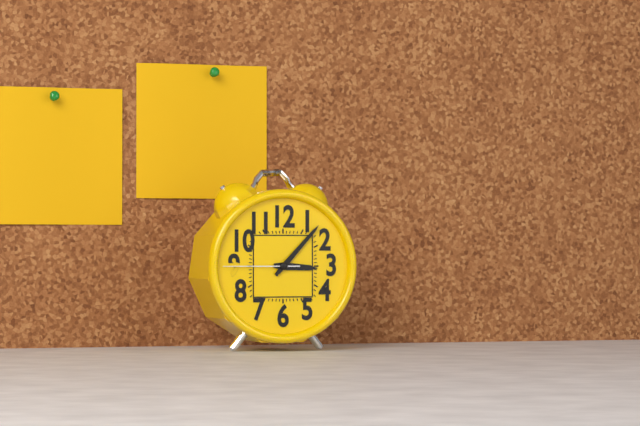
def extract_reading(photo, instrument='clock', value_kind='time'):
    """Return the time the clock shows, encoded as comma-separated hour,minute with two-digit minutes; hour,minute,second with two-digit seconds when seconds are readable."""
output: 3,07,45
